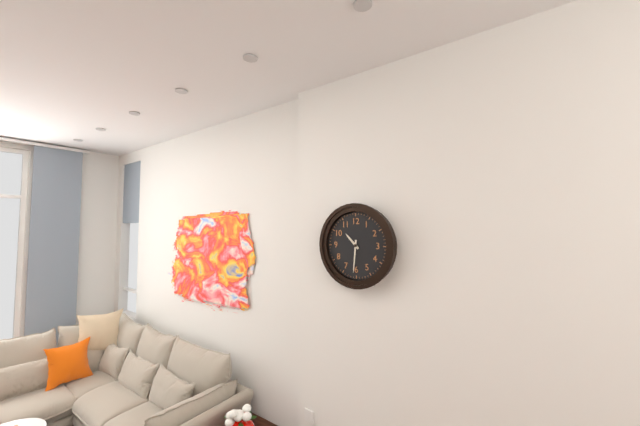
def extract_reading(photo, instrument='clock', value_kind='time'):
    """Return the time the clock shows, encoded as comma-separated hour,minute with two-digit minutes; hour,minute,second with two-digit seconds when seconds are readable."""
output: 10,31
